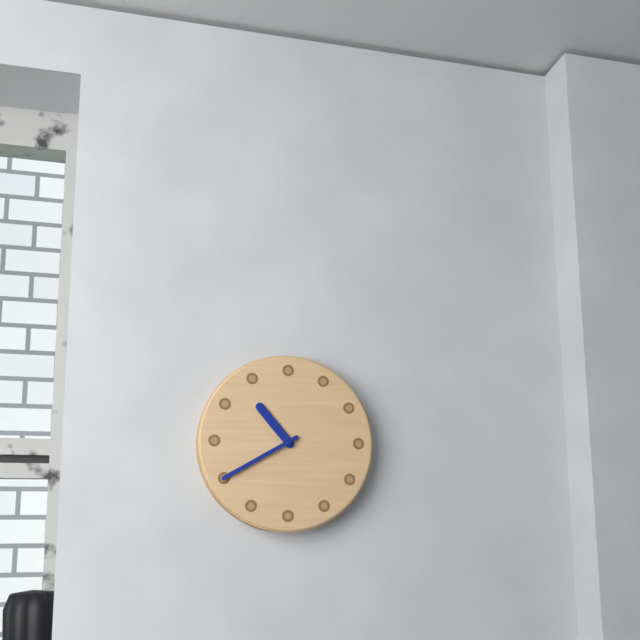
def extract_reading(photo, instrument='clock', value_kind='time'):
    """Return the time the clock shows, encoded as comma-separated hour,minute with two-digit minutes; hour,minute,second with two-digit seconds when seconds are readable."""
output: 10,40
